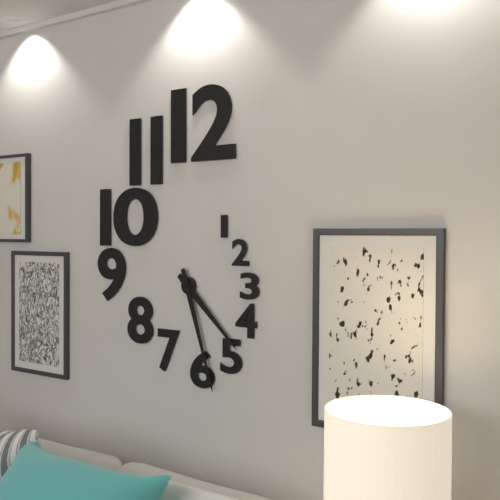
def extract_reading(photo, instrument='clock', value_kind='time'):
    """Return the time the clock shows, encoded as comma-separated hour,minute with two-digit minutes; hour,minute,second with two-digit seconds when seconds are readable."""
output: 4,27
